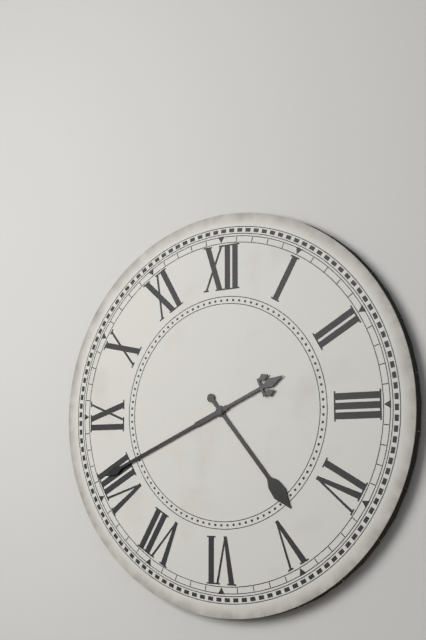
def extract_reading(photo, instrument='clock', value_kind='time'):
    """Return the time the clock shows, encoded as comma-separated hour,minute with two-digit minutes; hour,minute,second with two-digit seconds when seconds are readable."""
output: 4,41
